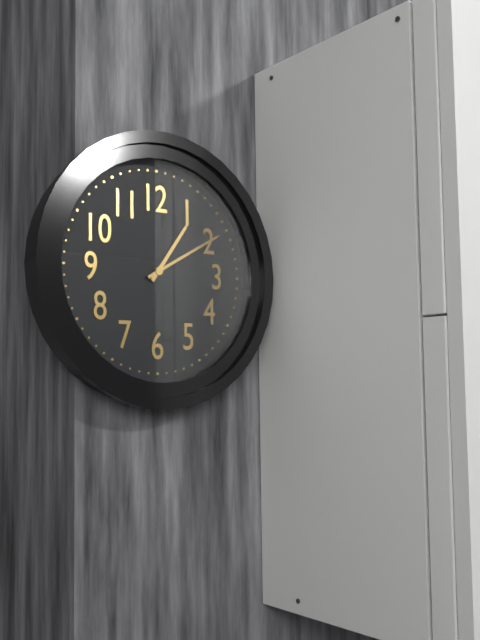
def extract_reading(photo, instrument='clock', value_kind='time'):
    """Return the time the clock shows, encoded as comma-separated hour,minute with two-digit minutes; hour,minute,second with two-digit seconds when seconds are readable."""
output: 1,10
